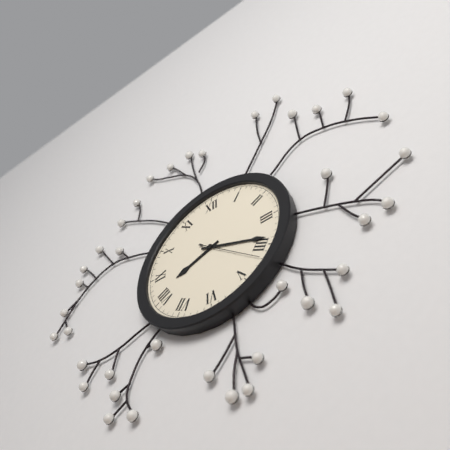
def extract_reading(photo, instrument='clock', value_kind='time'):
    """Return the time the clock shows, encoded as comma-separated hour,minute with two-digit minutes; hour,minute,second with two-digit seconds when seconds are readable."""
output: 8,19,22
